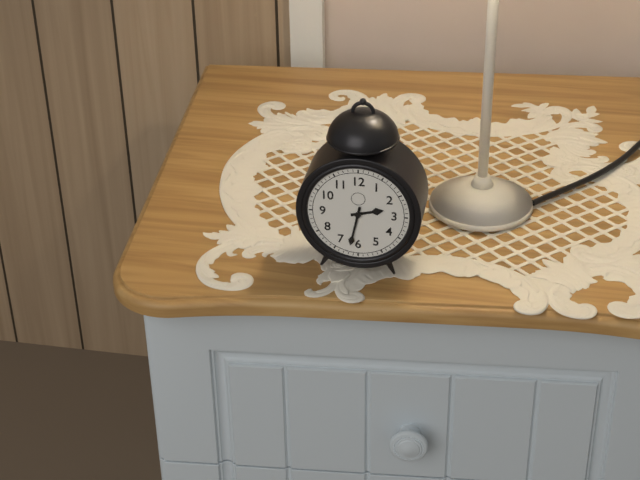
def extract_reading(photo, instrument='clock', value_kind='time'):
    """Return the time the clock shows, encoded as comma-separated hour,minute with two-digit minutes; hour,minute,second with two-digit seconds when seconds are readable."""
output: 2,32
